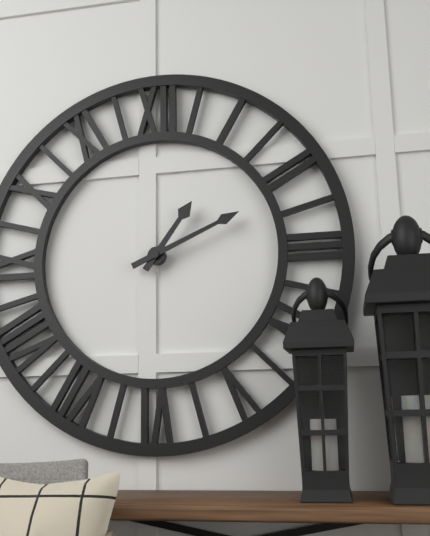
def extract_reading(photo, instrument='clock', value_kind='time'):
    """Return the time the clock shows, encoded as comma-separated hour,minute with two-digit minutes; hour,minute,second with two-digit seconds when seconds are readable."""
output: 1,11
